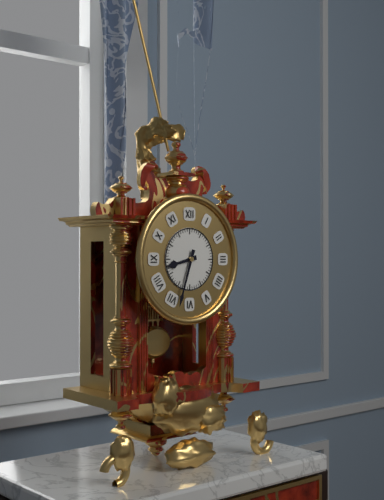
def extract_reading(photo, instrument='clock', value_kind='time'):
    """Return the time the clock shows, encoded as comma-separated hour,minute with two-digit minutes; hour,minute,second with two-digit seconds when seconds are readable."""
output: 8,33
